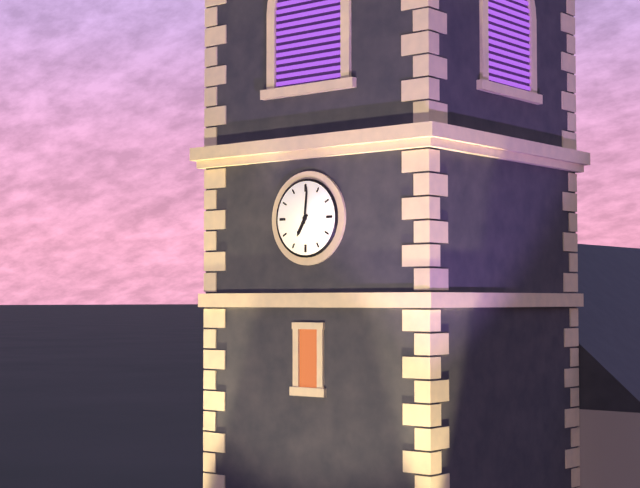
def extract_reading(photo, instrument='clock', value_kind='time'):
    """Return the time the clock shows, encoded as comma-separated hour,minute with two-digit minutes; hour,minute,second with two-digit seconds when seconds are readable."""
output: 7,01
